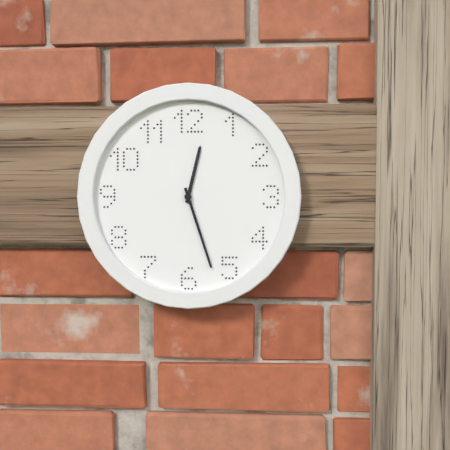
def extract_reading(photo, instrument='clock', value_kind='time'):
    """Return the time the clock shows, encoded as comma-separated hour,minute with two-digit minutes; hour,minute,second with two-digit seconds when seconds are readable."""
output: 12,27
